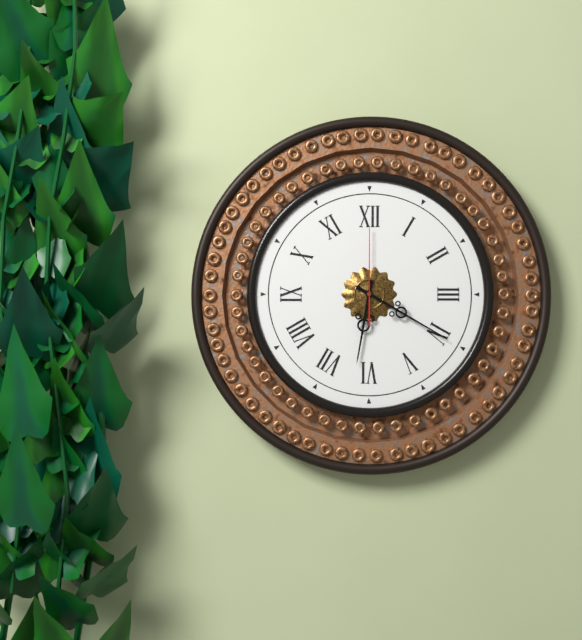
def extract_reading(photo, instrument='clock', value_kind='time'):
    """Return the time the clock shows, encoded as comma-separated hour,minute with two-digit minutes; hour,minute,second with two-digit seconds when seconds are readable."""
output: 6,20,00
